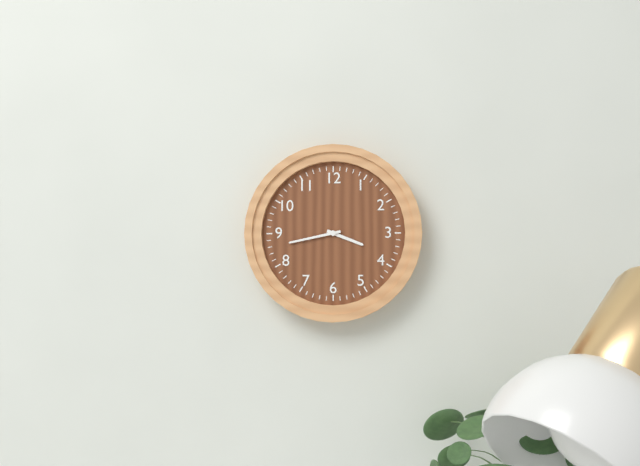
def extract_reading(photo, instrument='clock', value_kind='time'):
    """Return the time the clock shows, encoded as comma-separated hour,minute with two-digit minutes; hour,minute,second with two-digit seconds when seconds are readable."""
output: 3,43
